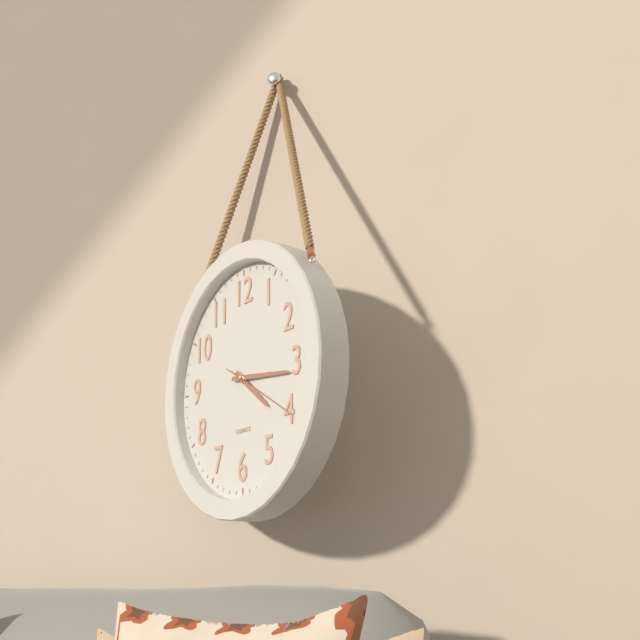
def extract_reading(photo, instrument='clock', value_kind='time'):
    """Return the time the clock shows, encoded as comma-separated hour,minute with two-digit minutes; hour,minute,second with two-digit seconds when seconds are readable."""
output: 4,16,20
